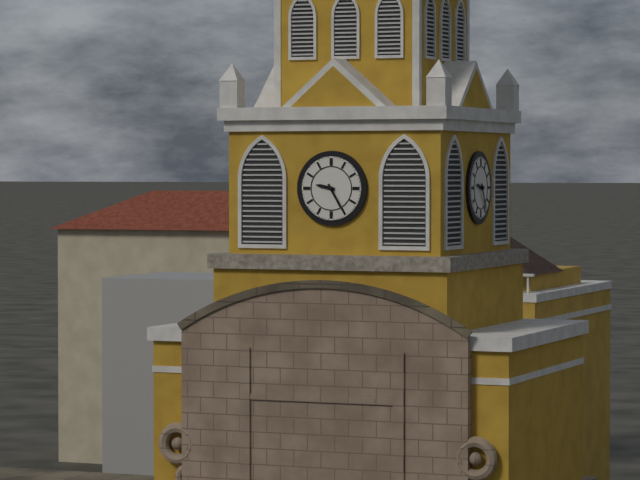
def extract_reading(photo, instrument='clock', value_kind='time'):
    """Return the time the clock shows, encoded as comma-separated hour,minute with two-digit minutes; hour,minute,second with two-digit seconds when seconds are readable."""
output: 9,25
